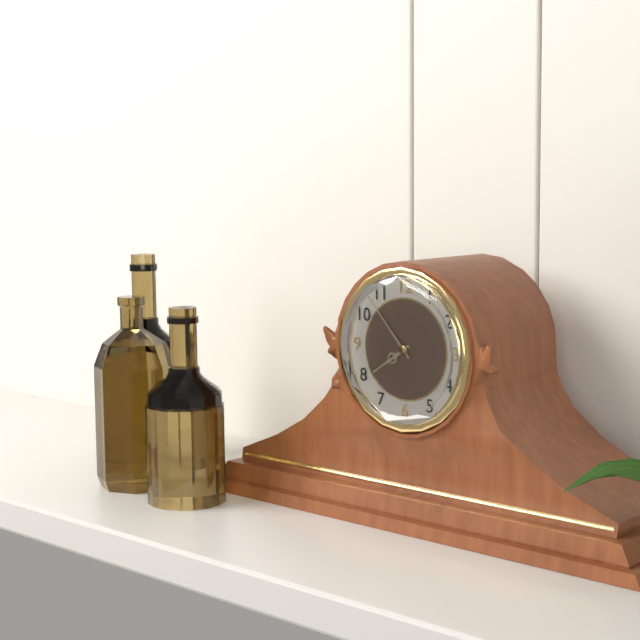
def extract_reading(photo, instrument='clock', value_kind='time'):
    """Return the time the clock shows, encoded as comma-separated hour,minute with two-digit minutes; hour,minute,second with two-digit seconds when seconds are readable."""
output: 7,53
